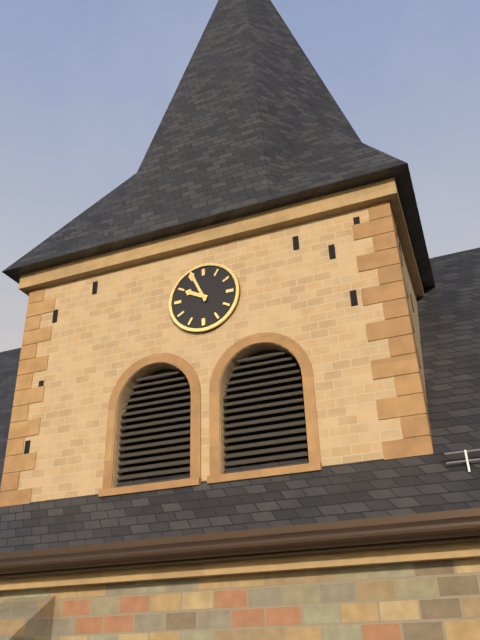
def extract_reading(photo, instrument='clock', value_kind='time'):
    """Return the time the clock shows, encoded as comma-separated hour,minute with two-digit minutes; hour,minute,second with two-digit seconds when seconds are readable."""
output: 9,56
